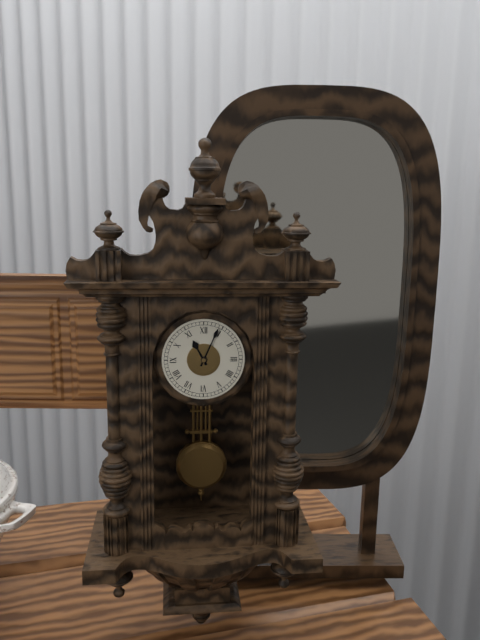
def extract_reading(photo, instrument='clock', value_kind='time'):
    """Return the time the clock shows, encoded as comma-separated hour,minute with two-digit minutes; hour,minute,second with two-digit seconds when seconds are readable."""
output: 11,04
